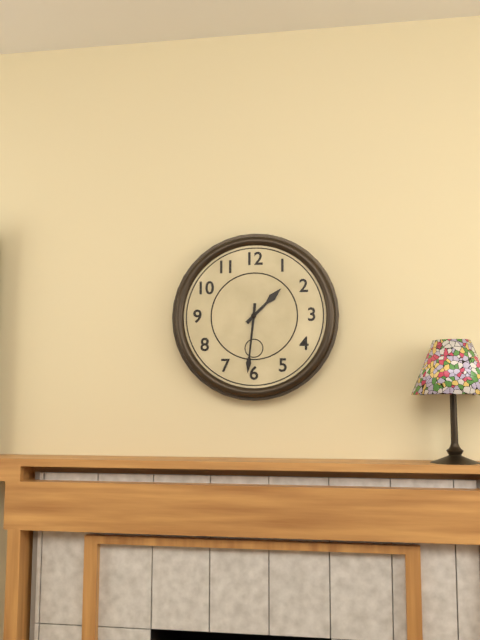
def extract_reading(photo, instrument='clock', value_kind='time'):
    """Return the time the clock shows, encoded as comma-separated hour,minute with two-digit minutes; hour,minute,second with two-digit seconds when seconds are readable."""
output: 1,31
